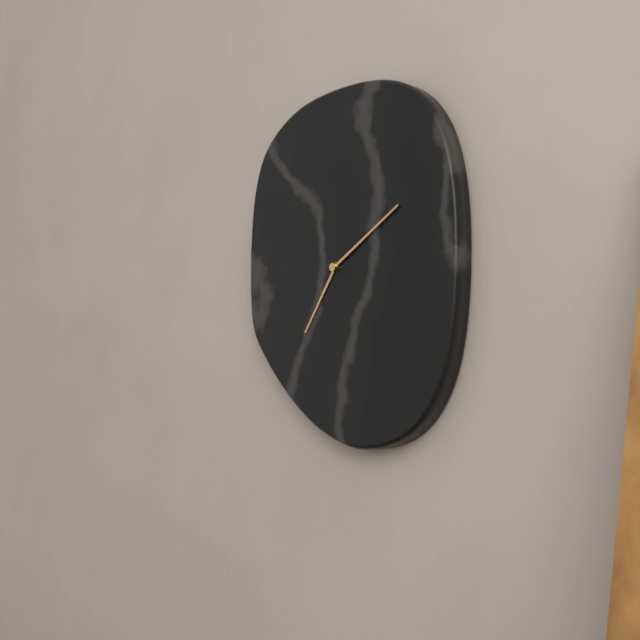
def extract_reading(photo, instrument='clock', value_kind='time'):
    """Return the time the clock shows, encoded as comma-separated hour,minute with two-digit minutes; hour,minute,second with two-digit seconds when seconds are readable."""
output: 7,10
